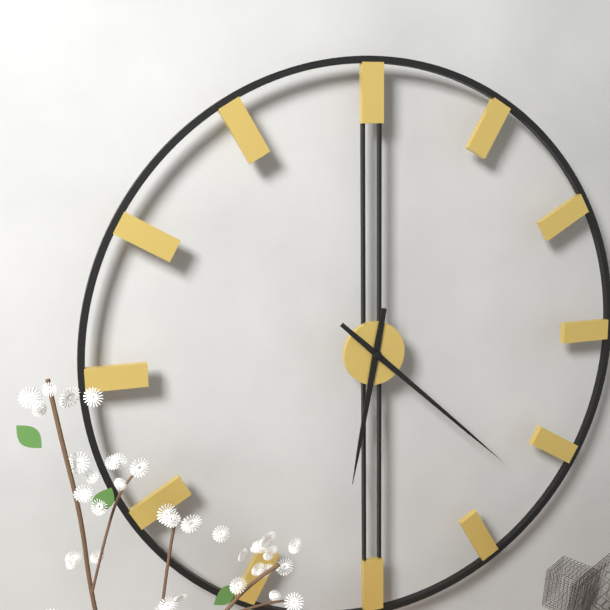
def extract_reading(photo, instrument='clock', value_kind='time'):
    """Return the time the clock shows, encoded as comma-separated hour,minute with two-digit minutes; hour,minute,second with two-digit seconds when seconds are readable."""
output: 6,22
